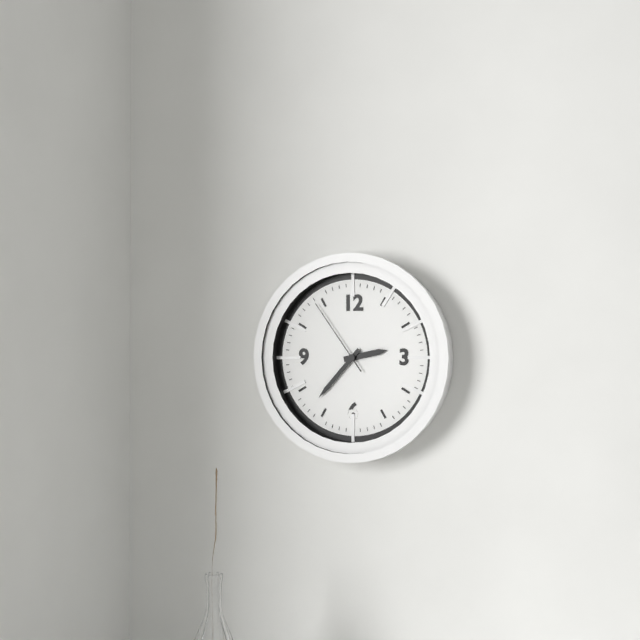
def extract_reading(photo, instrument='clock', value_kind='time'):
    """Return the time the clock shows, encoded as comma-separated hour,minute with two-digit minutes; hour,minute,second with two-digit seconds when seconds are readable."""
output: 2,37,54
